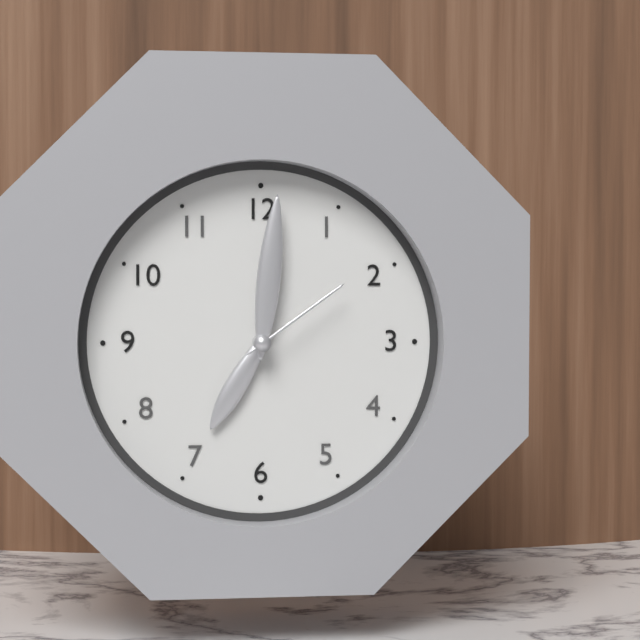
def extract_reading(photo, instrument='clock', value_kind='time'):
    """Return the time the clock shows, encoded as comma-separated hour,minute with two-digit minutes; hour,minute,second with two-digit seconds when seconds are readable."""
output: 7,01,09
